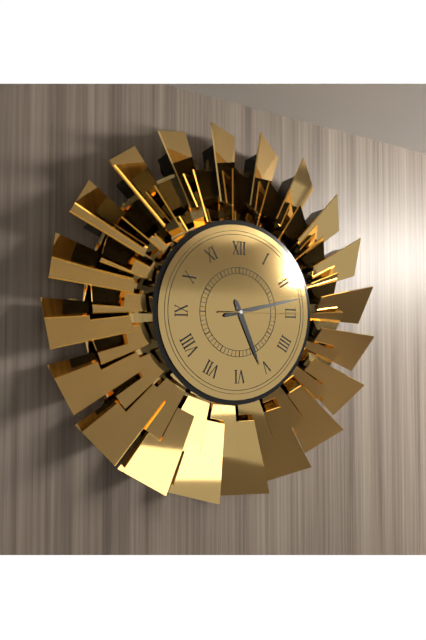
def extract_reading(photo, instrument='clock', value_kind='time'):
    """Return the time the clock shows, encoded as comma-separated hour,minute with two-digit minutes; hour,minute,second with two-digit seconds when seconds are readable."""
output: 5,13,15
